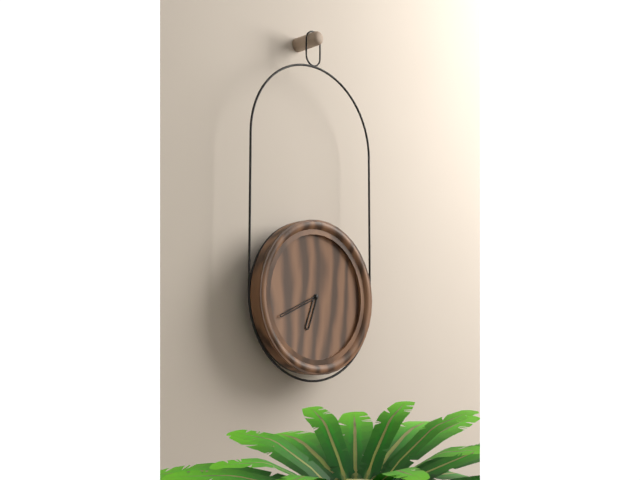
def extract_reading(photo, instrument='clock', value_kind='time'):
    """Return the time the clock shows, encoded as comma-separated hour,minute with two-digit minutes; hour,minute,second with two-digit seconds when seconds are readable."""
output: 6,41
